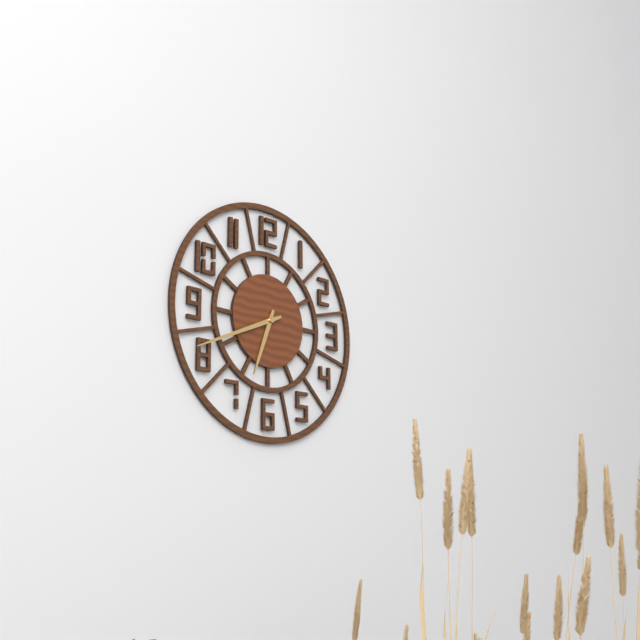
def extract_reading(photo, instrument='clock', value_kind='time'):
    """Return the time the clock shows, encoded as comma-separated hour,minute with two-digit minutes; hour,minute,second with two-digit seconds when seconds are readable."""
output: 6,41
